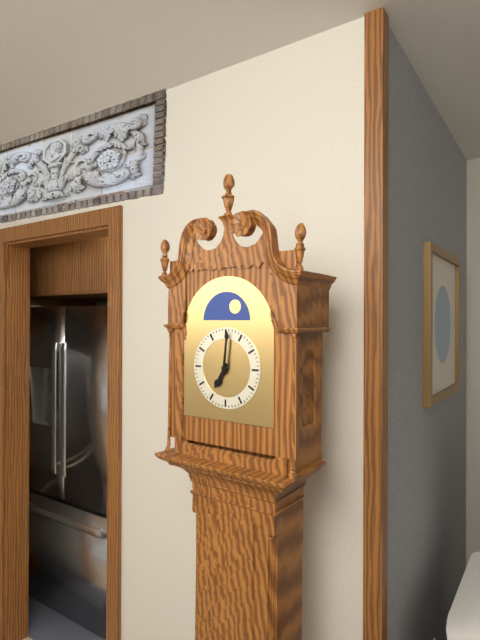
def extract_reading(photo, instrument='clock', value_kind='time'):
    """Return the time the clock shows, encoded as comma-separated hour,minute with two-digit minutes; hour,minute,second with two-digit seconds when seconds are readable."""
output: 7,01
